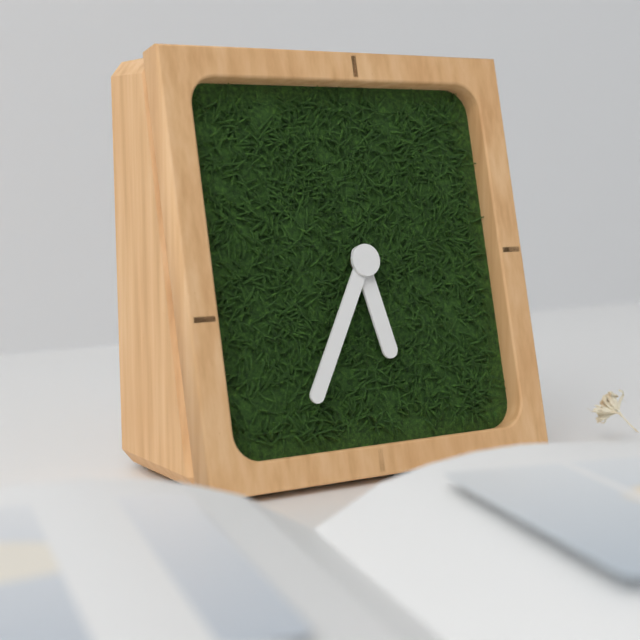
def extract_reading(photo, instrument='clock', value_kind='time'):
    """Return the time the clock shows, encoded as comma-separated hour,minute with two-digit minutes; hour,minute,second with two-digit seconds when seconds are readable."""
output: 5,35
